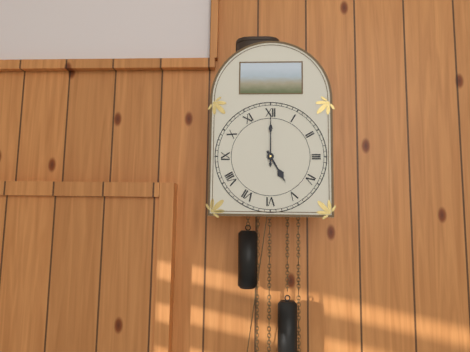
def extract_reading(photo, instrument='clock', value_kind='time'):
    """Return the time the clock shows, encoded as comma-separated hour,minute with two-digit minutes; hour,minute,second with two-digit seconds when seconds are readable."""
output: 5,00
